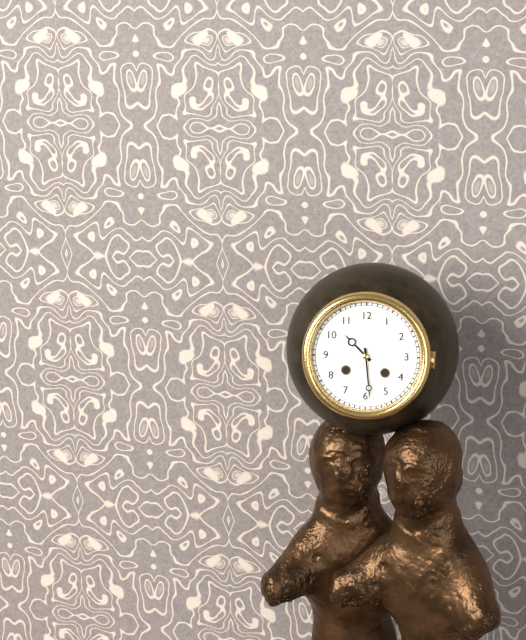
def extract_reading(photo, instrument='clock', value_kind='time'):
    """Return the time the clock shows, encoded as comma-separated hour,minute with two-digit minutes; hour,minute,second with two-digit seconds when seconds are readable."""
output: 10,29
